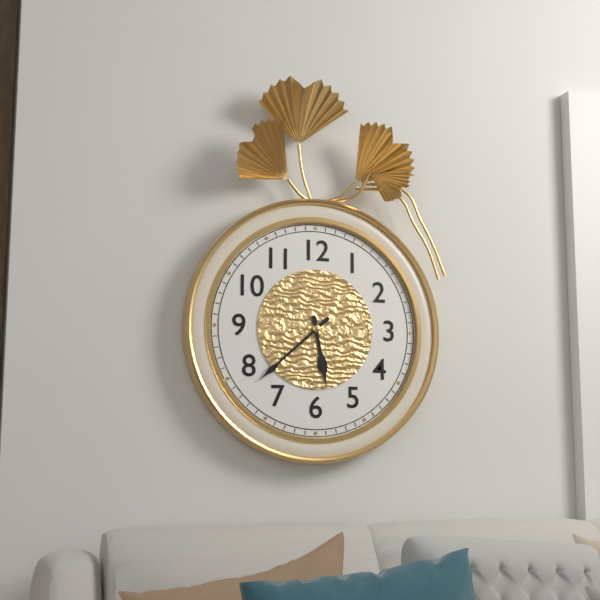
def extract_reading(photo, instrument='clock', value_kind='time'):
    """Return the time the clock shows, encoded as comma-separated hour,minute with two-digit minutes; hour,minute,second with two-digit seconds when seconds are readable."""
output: 5,38
